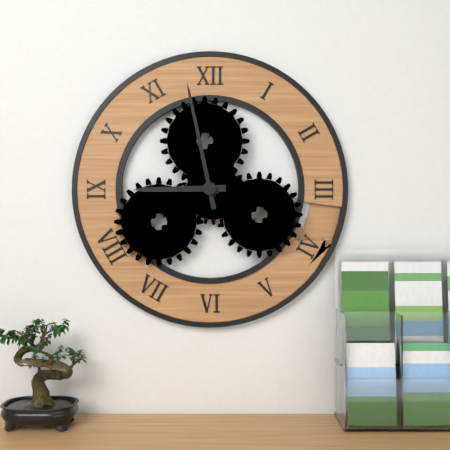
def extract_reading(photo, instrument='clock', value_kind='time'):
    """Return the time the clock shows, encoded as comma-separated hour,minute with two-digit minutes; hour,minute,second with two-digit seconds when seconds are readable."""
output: 8,58
